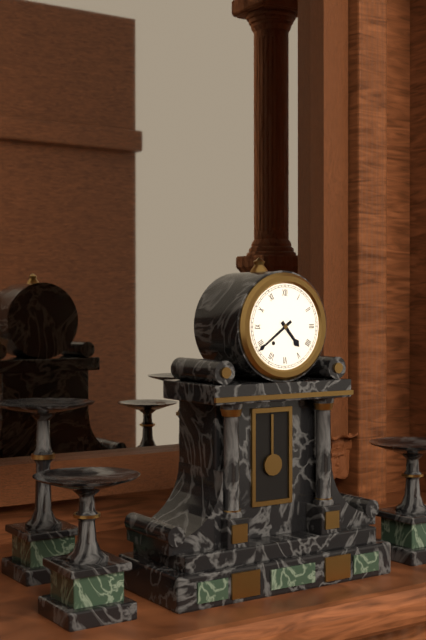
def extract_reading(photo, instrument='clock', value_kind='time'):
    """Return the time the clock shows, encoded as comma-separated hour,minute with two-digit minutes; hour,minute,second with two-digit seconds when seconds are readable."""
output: 4,39
